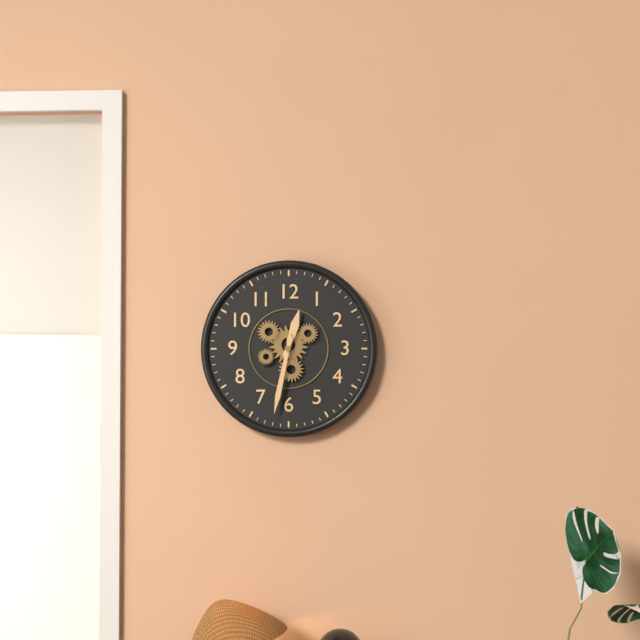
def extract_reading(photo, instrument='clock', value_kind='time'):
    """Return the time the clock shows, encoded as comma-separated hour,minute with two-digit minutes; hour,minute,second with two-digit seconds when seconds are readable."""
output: 12,32
